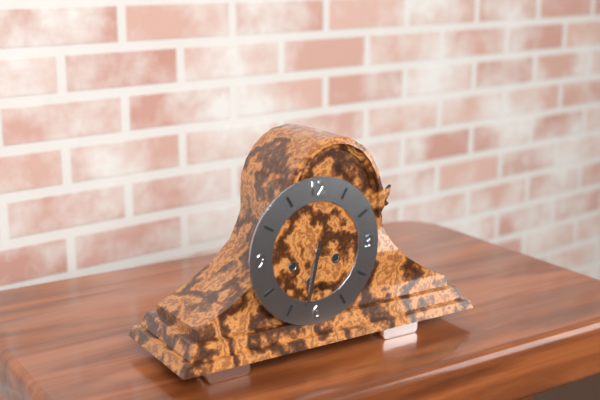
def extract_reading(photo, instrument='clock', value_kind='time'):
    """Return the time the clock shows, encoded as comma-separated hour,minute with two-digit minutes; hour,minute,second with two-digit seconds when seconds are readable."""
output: 6,32
